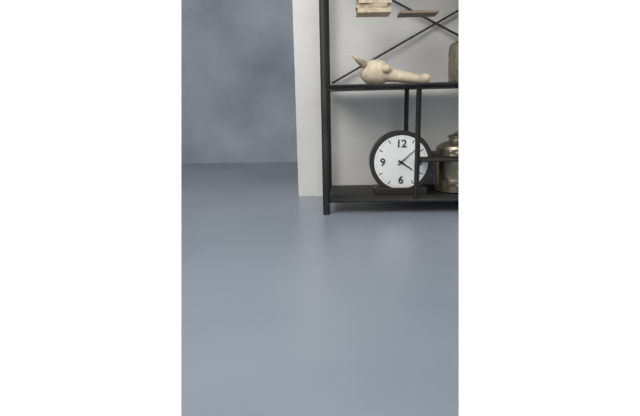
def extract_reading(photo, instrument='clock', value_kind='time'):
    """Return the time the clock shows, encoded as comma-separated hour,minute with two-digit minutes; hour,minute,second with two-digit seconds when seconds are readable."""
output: 4,08
